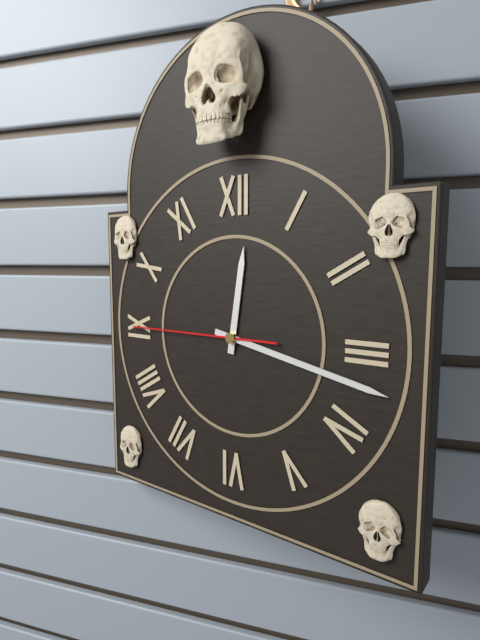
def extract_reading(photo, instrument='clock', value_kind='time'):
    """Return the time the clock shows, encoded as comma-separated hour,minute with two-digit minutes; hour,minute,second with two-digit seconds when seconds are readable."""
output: 12,17,45
